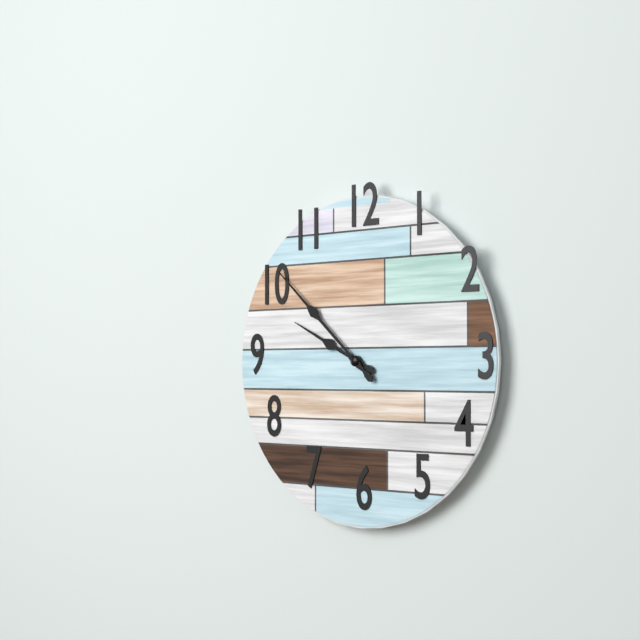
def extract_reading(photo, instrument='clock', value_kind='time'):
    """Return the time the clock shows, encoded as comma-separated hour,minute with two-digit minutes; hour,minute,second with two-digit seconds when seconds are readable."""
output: 9,52
